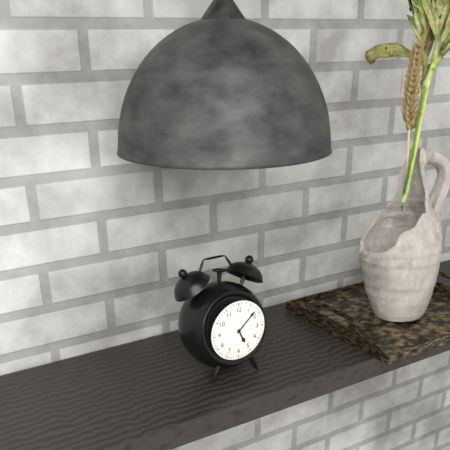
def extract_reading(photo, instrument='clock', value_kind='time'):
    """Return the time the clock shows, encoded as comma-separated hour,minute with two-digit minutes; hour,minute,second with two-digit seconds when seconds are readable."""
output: 5,08
